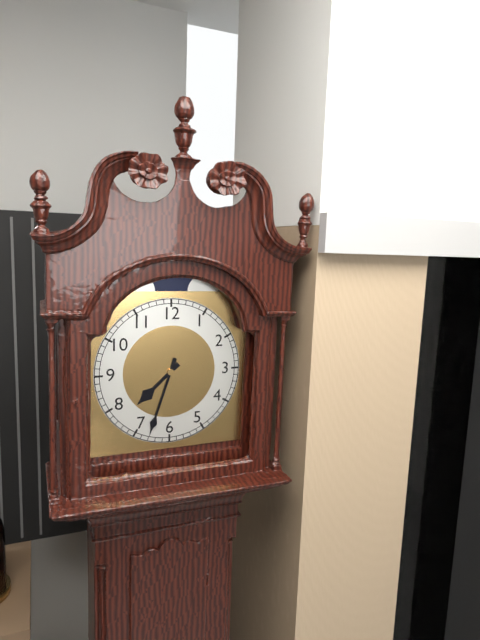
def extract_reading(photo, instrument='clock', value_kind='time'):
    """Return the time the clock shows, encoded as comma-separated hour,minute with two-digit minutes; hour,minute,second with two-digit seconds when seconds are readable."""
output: 7,33
